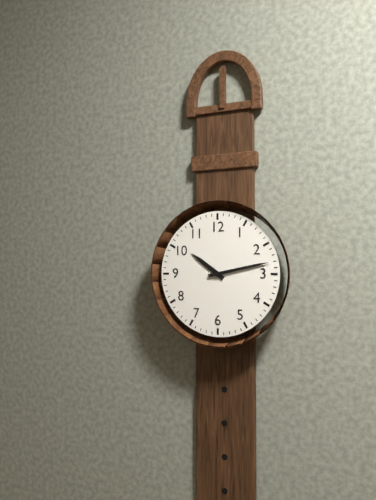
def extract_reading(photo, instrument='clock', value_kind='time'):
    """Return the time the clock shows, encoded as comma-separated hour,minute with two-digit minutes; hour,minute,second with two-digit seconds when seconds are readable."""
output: 10,13
